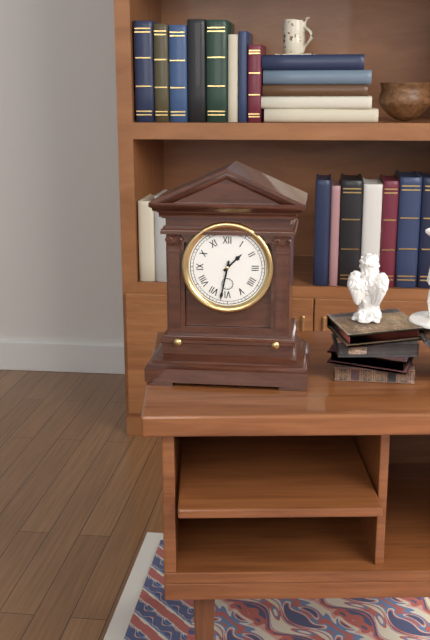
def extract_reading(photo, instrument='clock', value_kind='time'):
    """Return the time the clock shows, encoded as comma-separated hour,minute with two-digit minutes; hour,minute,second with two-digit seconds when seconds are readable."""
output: 1,32
